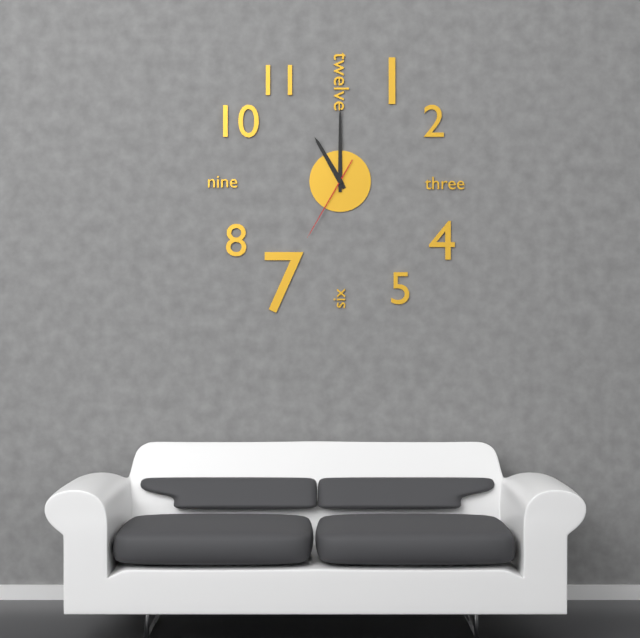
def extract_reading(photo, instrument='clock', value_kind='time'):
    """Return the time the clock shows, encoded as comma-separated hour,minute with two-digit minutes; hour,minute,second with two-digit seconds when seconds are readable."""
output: 11,00,35
